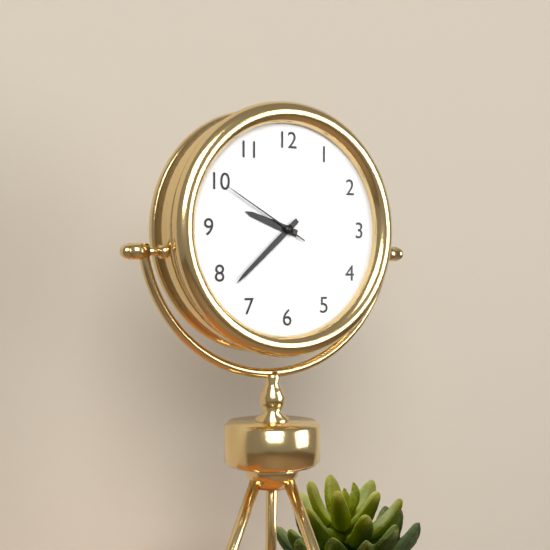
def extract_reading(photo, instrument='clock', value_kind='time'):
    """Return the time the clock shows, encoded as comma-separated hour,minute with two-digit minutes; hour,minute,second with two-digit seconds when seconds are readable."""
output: 9,38,50
